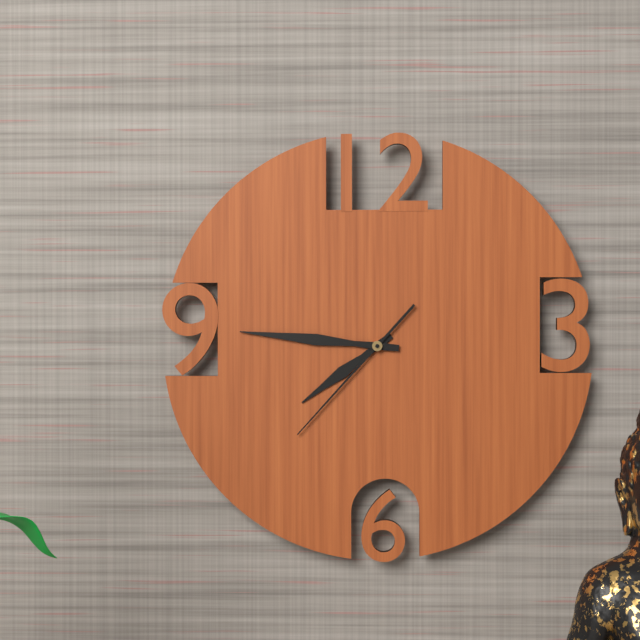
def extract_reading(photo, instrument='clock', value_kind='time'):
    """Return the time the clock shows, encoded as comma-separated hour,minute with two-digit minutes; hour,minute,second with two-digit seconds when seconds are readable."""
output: 7,46,37
